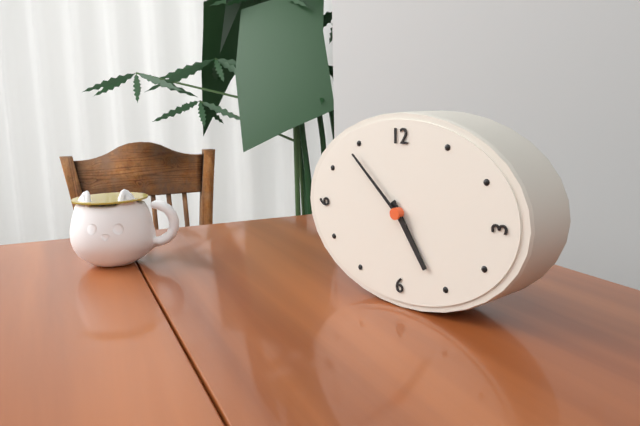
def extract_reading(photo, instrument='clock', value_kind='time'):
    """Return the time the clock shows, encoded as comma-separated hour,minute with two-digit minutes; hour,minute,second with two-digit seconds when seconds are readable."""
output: 4,52
